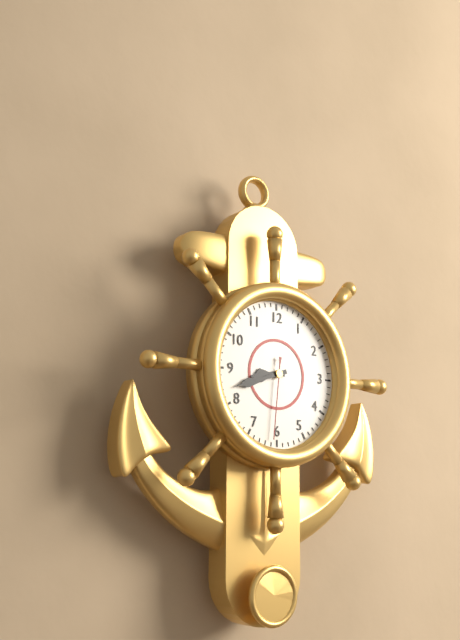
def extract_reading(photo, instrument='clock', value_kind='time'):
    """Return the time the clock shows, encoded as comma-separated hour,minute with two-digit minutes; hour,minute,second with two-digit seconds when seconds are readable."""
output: 8,42,31
